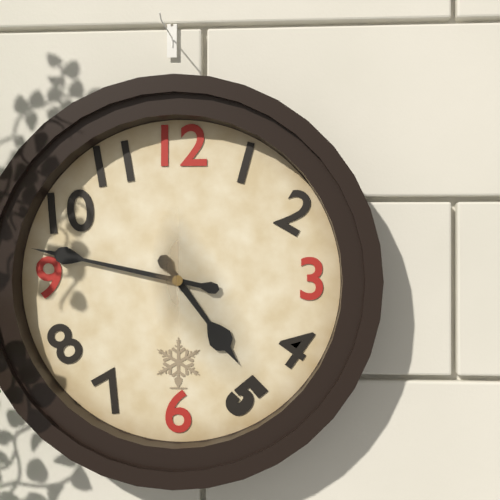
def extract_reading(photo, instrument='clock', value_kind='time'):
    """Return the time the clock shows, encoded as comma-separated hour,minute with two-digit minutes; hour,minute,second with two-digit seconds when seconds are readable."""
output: 4,47
